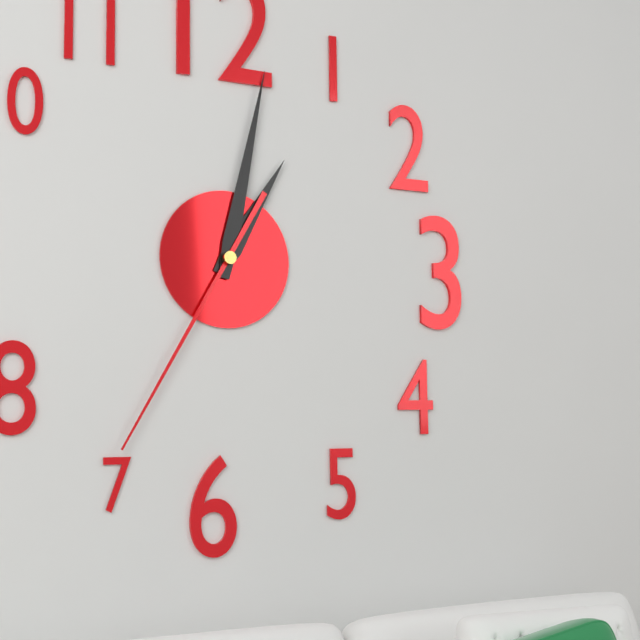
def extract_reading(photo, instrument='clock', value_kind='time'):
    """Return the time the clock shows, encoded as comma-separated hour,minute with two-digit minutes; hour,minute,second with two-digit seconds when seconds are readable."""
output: 1,02,35
